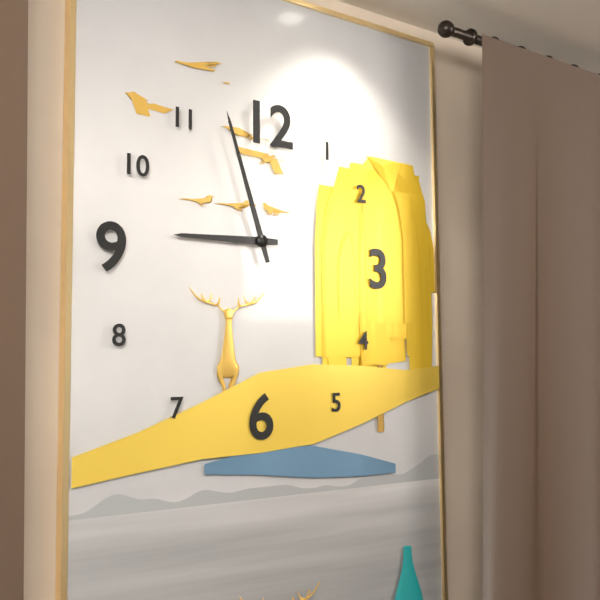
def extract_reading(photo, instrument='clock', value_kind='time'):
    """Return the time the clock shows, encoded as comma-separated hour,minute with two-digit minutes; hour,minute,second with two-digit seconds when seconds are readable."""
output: 8,57
